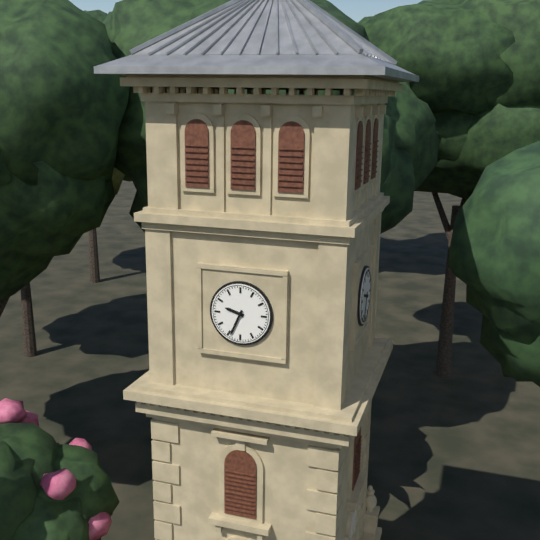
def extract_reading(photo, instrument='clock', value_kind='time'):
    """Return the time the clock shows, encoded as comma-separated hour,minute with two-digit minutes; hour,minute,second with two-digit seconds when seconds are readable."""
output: 9,34
